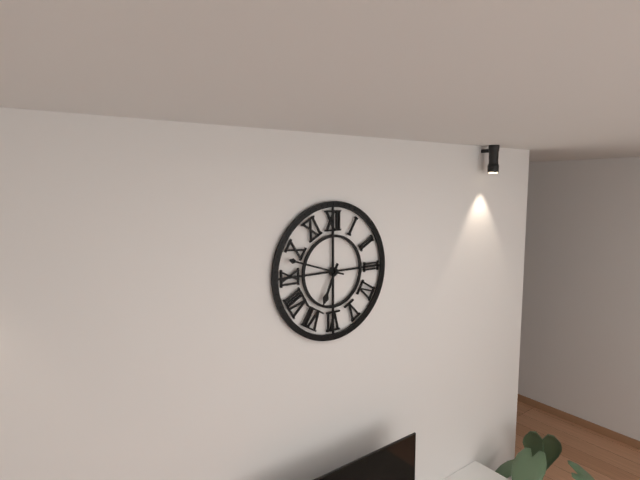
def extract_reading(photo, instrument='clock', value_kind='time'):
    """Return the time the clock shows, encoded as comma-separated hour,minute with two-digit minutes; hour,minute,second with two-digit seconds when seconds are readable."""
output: 6,48
